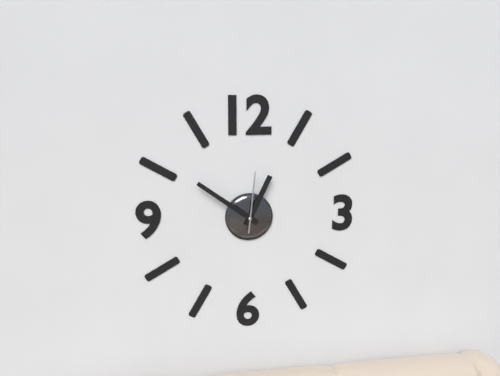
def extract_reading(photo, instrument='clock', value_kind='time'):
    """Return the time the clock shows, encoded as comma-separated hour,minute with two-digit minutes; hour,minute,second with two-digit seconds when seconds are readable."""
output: 12,51,01
